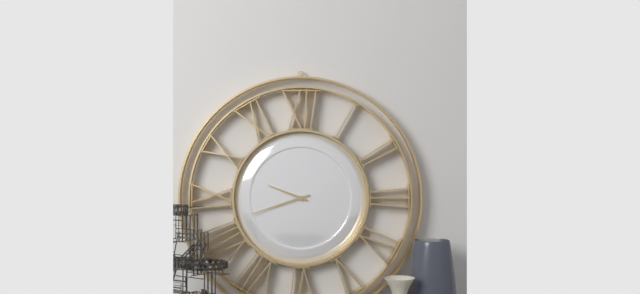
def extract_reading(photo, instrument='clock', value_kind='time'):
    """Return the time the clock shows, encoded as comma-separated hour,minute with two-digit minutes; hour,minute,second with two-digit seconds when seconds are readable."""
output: 9,42
